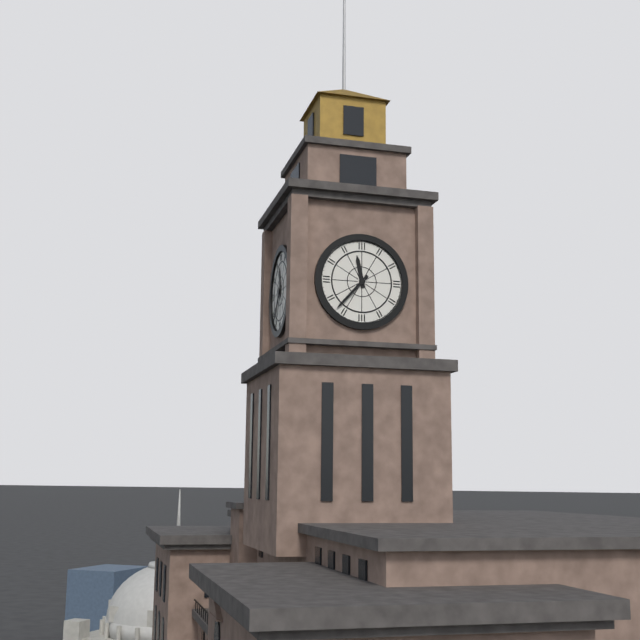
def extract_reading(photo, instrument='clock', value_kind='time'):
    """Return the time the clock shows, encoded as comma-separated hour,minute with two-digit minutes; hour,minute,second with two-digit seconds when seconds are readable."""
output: 11,37
